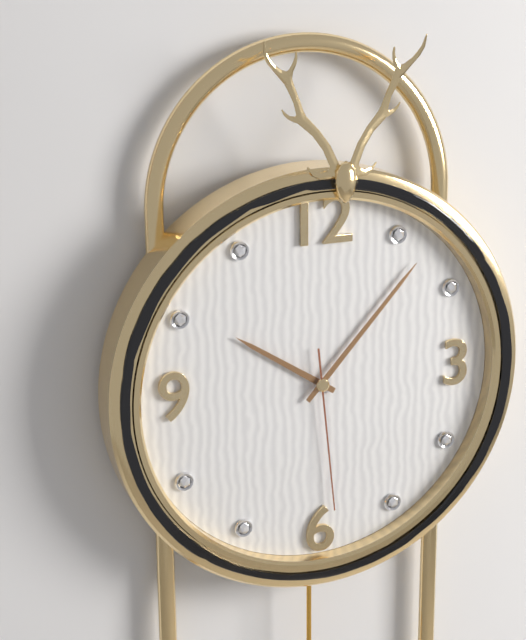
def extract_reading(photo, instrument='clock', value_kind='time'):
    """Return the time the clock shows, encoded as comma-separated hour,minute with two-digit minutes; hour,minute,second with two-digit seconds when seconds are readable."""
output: 10,07,29
